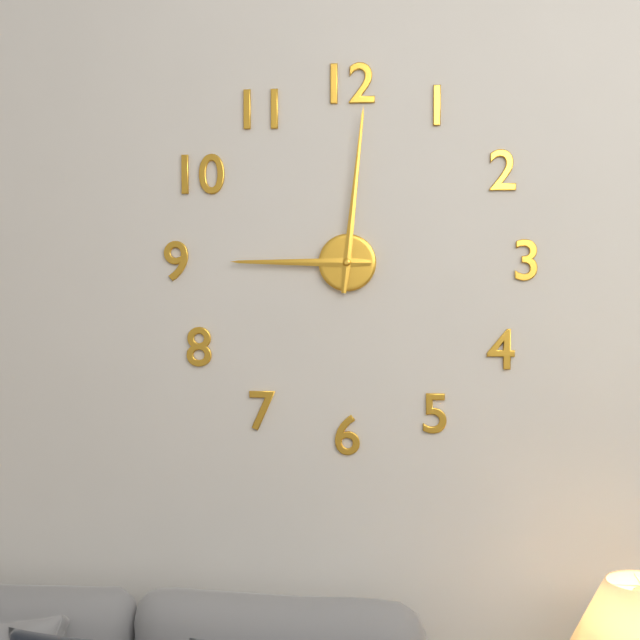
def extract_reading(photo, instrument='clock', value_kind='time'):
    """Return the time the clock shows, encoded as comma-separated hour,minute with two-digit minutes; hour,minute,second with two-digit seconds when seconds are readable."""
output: 9,01
